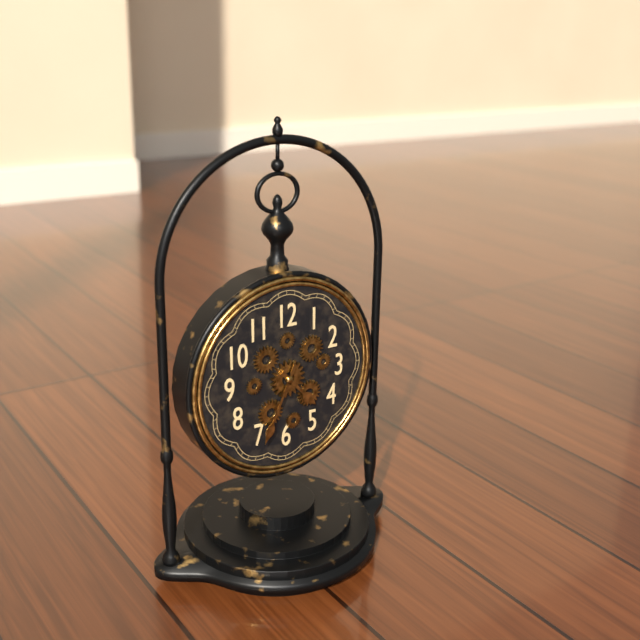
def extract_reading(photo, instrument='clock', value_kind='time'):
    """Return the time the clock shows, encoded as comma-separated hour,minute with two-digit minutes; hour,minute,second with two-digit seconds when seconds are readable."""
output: 4,34
